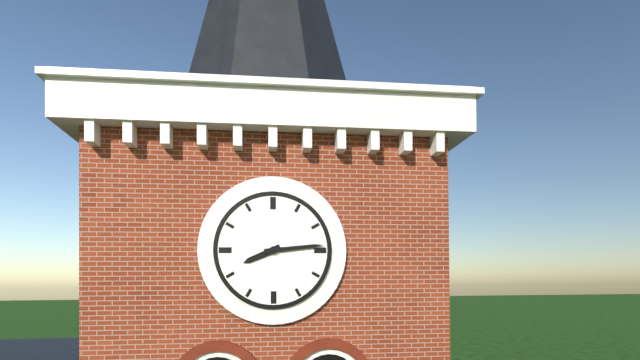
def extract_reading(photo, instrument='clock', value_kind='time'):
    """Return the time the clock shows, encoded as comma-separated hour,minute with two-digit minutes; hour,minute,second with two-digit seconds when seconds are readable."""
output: 8,14
